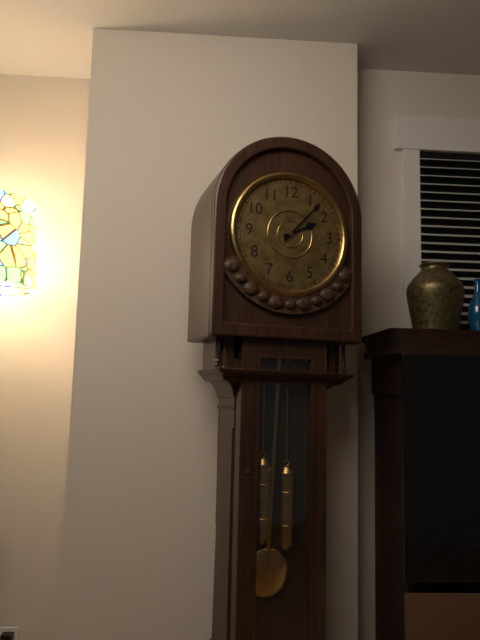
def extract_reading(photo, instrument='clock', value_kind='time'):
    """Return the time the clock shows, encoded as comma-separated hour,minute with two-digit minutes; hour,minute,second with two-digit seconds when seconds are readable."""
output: 2,07
